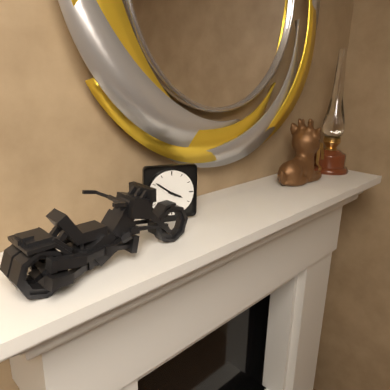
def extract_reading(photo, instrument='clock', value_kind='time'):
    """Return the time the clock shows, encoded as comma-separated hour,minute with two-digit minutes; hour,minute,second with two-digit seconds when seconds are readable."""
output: 3,51
